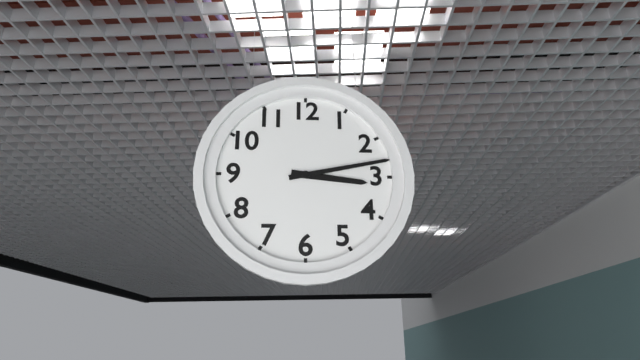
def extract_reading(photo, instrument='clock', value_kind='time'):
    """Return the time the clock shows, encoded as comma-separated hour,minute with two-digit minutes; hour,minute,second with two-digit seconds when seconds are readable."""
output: 3,13
